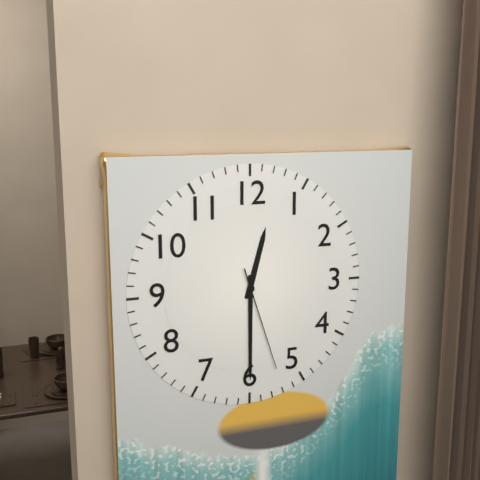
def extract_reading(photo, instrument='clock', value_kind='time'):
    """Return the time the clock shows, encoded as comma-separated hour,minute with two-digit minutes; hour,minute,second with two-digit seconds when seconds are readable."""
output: 12,30,27
